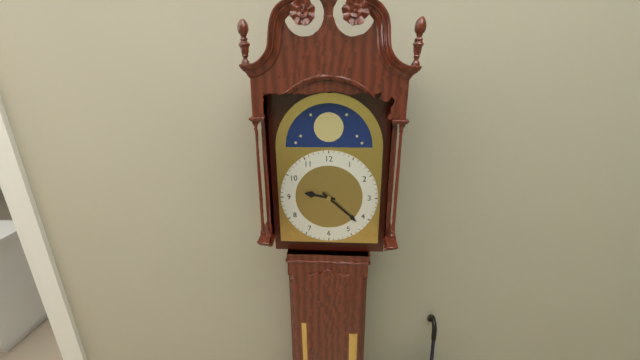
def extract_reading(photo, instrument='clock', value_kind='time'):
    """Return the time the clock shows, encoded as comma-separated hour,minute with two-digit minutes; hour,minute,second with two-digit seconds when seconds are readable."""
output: 9,22
